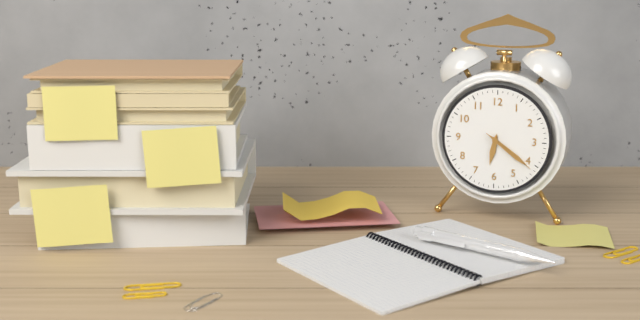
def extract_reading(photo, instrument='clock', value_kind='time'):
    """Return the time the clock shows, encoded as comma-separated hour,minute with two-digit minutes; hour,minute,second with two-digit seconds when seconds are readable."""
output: 6,21,21
